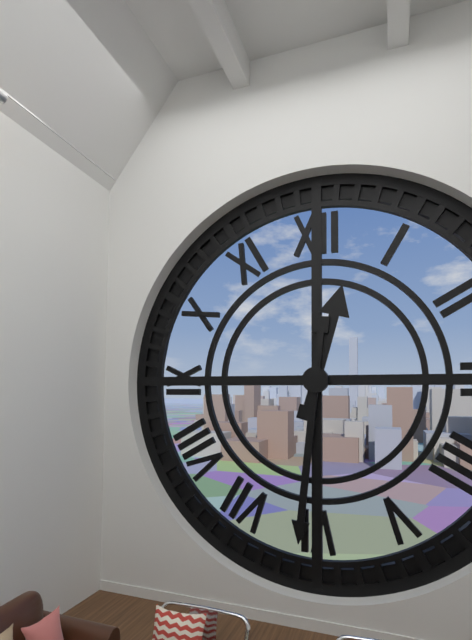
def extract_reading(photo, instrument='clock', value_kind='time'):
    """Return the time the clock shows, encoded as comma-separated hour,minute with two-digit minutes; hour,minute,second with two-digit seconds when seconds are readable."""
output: 12,31
